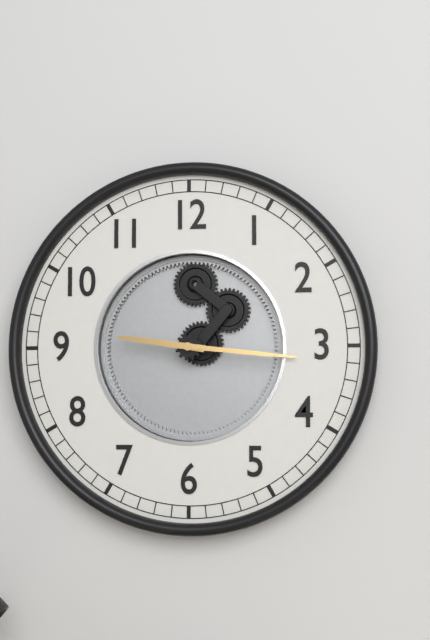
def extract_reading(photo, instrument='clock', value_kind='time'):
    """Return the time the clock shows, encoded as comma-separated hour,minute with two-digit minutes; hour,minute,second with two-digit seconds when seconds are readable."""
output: 9,16
